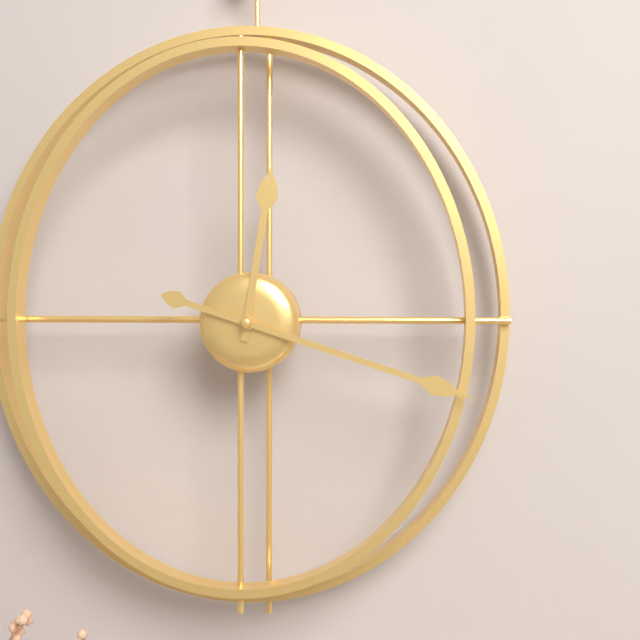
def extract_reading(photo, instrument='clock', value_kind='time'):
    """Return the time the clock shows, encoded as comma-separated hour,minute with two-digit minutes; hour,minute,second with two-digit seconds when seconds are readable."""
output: 12,18
